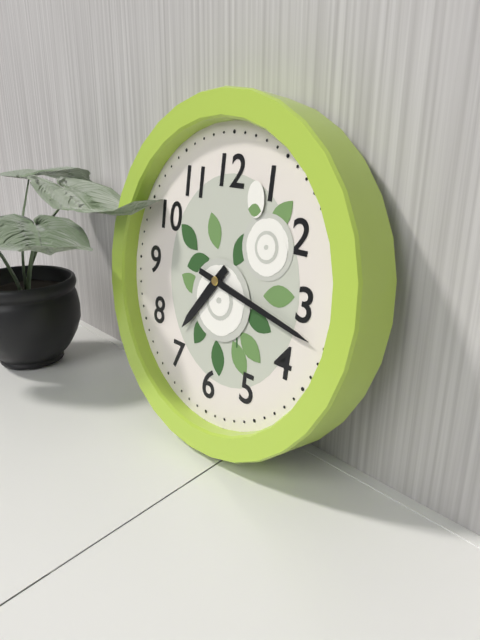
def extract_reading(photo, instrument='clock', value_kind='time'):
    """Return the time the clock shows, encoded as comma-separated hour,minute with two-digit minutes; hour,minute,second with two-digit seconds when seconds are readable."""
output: 7,17
